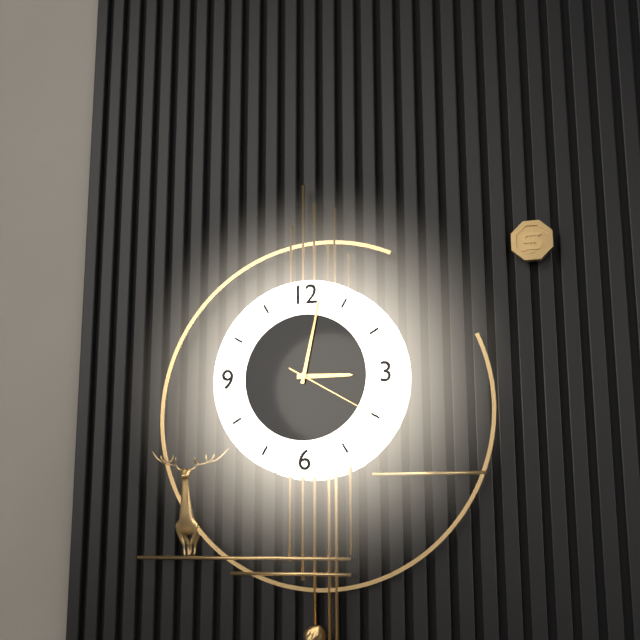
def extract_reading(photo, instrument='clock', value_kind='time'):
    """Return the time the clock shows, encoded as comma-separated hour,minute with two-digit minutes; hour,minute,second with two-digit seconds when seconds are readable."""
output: 3,02,20
